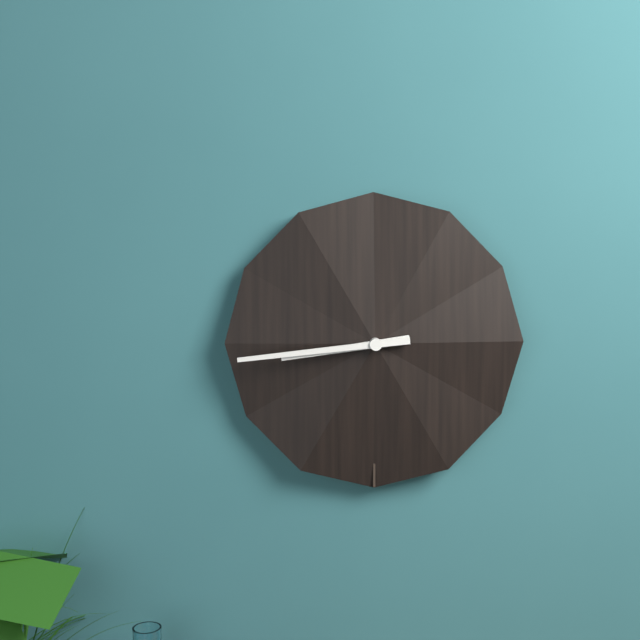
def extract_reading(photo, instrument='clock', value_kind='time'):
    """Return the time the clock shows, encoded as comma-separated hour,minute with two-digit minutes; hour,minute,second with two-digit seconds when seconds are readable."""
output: 8,44
